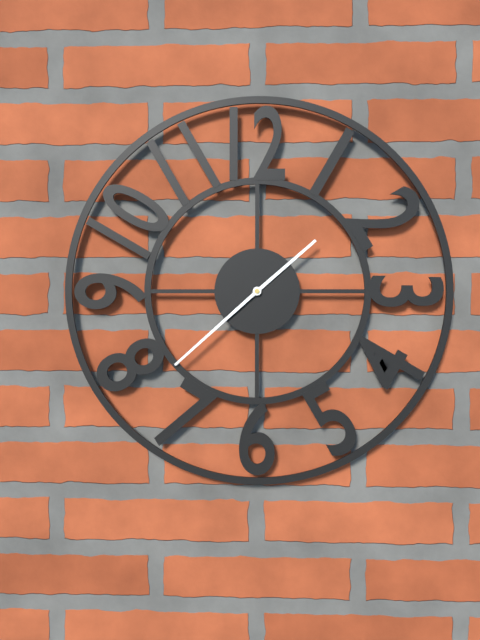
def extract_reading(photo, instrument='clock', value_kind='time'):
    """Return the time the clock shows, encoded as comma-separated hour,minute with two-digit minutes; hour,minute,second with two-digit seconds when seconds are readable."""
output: 1,38
